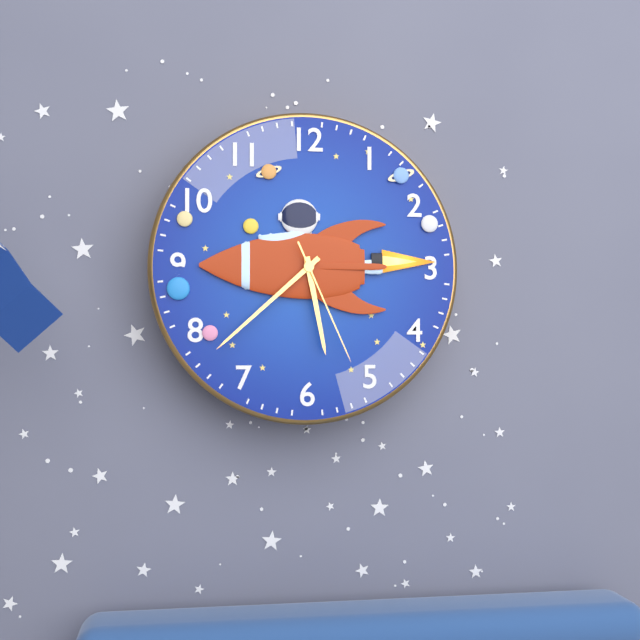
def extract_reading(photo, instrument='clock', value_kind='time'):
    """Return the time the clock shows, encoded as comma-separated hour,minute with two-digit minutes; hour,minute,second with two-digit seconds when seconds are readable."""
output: 5,38,26
